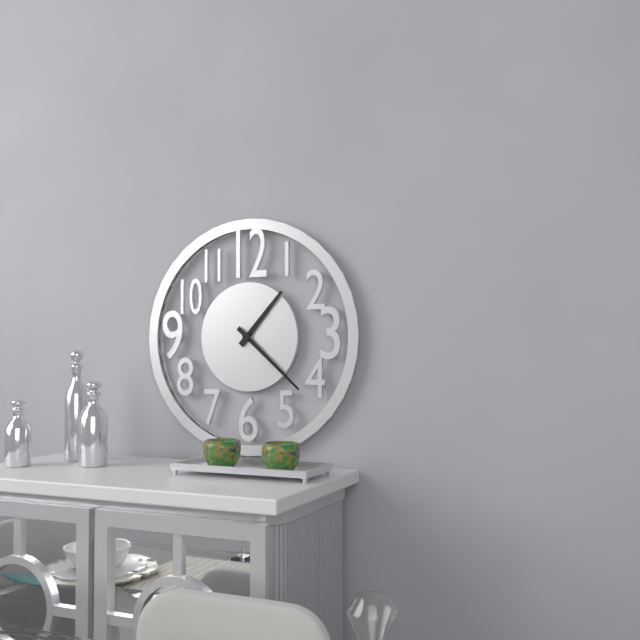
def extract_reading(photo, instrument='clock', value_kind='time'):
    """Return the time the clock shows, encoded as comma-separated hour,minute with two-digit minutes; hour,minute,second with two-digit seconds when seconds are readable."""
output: 1,22
